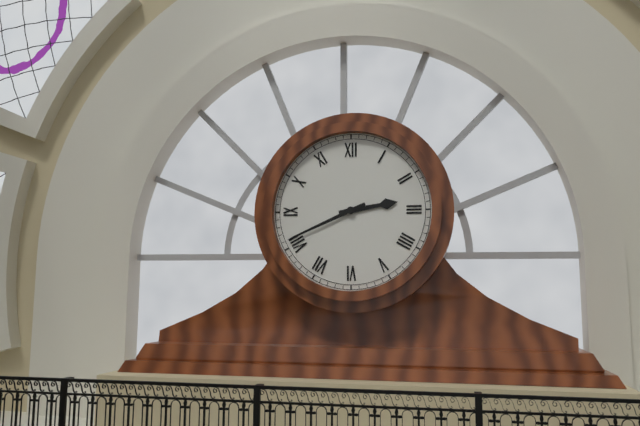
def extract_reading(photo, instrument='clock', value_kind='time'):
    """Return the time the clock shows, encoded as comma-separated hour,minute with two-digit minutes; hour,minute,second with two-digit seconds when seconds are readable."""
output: 2,41
